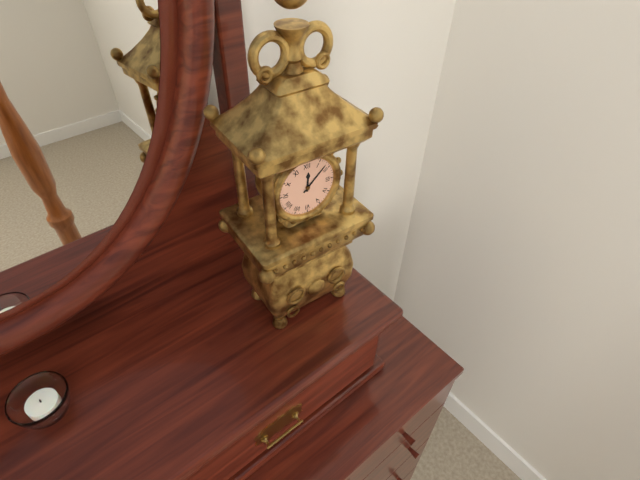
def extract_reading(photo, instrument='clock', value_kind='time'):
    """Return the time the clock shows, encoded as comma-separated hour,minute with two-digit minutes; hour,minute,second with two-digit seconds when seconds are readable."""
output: 12,08
